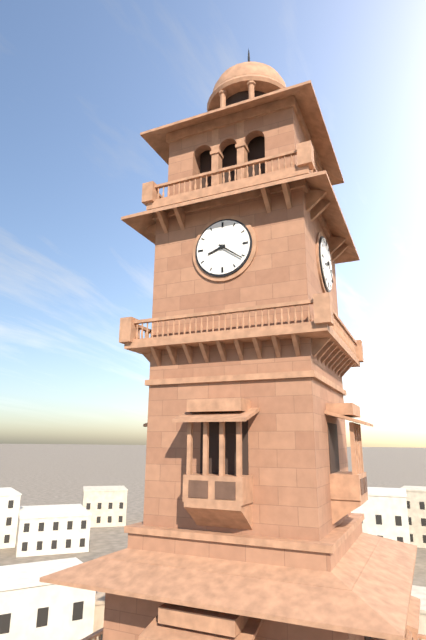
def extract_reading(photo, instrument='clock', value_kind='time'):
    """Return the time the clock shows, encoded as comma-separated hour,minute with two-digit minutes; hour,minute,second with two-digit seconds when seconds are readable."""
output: 8,21
